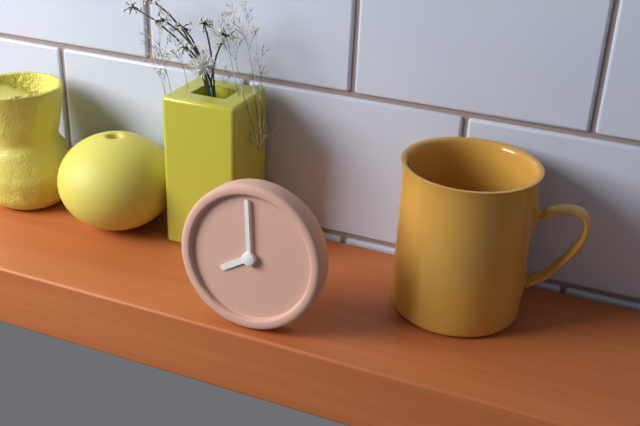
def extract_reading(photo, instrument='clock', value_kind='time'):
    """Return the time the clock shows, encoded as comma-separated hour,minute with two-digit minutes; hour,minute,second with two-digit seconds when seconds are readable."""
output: 7,59
